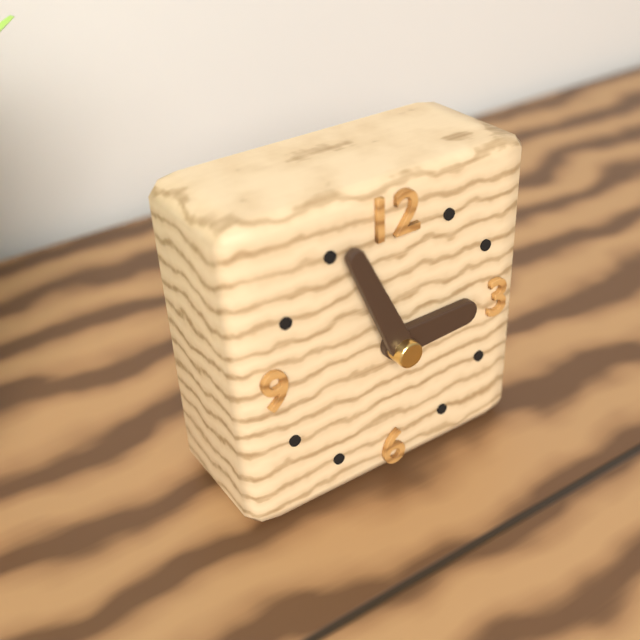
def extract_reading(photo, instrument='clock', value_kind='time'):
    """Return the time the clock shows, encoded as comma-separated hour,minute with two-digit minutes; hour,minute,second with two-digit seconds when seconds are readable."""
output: 2,56
